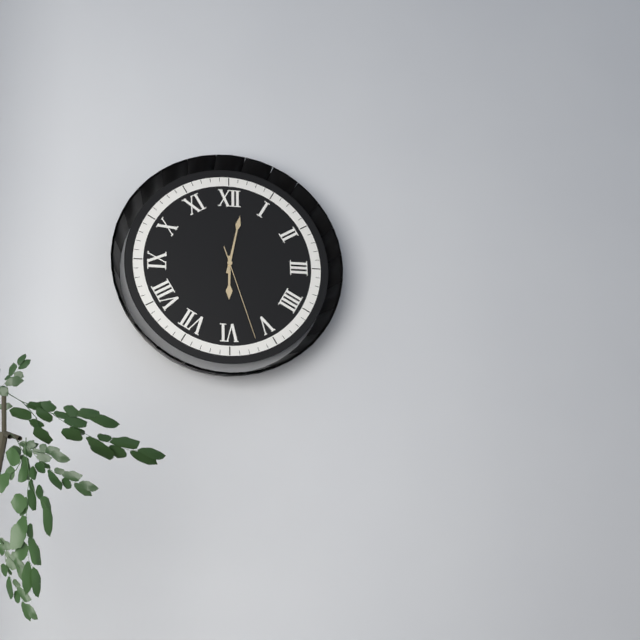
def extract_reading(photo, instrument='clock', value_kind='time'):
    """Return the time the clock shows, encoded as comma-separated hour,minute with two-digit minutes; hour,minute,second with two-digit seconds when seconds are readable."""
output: 6,02,27
